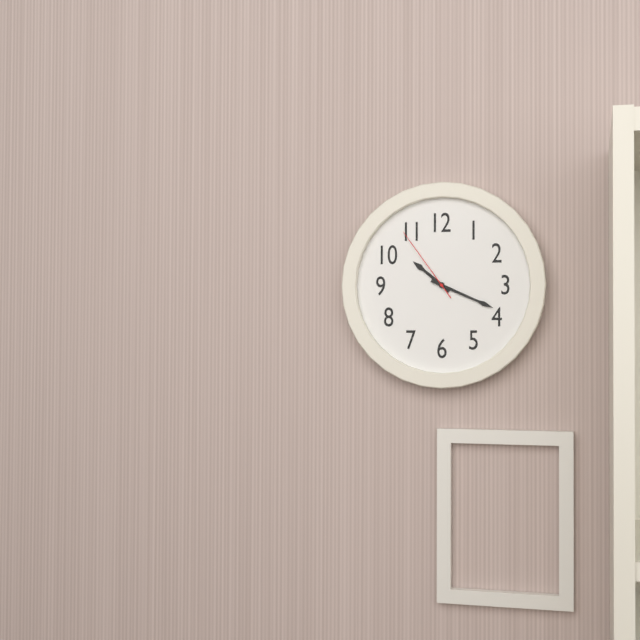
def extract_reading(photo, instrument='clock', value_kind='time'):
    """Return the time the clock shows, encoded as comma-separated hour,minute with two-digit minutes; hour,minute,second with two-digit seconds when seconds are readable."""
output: 10,19,54
